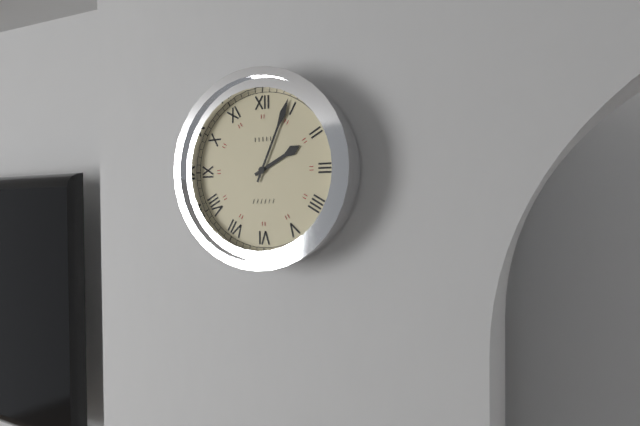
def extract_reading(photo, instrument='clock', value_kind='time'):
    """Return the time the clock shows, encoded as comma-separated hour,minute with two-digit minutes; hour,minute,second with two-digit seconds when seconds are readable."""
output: 2,04
